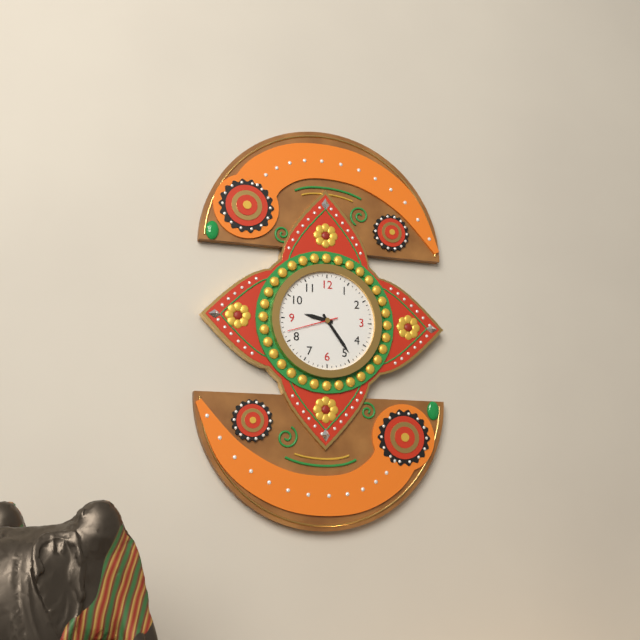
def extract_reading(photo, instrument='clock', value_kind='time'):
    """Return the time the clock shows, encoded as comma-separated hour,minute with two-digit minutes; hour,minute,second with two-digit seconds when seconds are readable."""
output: 9,24
